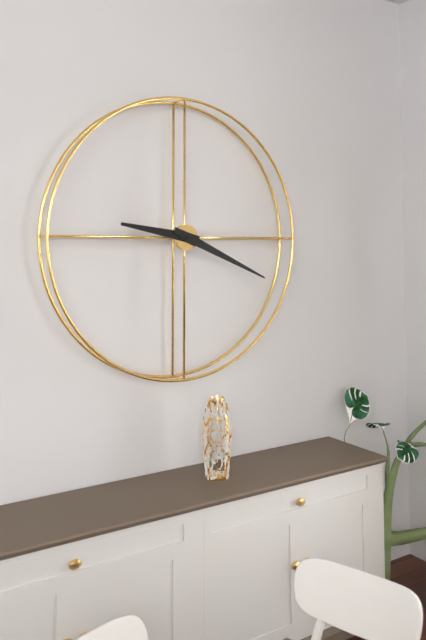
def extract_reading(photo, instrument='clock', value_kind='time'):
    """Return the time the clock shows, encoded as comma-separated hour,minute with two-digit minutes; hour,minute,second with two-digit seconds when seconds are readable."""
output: 9,19
